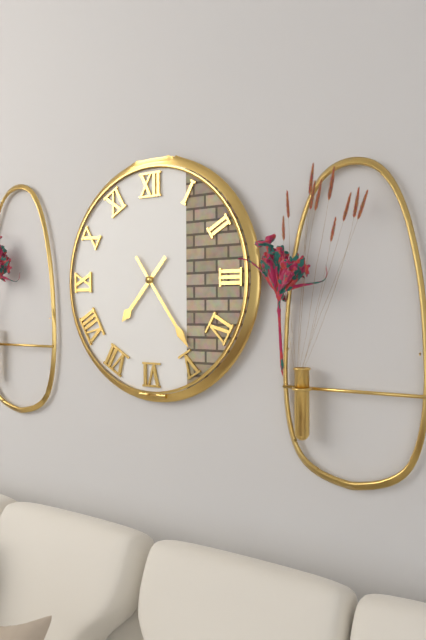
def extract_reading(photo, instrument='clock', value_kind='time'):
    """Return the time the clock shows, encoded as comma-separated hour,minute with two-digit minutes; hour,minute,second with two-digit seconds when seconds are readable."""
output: 7,24
